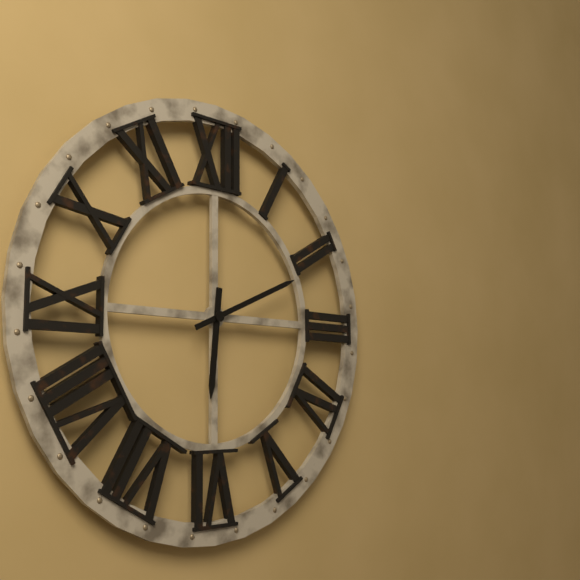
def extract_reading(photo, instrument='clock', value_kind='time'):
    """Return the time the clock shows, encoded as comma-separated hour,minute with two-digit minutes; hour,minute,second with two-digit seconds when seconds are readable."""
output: 6,11
